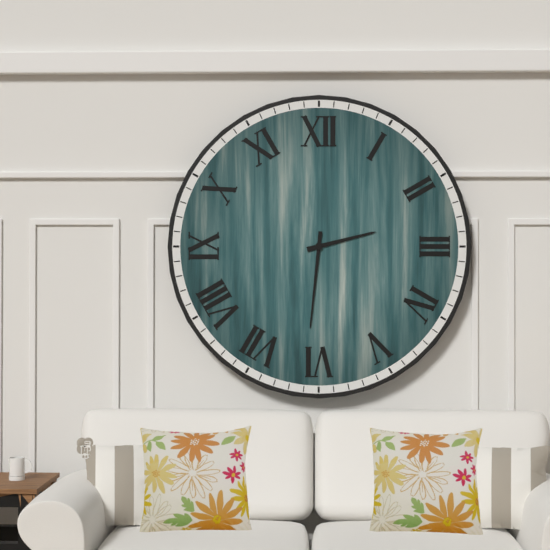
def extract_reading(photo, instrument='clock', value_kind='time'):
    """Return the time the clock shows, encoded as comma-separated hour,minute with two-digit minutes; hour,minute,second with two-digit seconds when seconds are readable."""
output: 2,31
